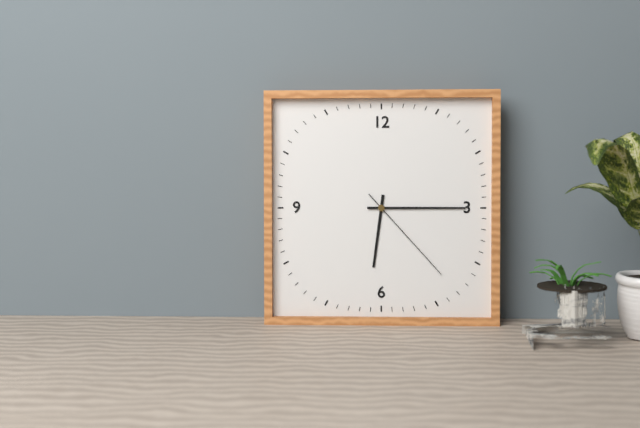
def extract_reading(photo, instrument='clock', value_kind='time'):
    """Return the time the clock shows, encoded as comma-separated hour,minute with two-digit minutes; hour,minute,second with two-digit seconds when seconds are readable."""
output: 6,15,23
